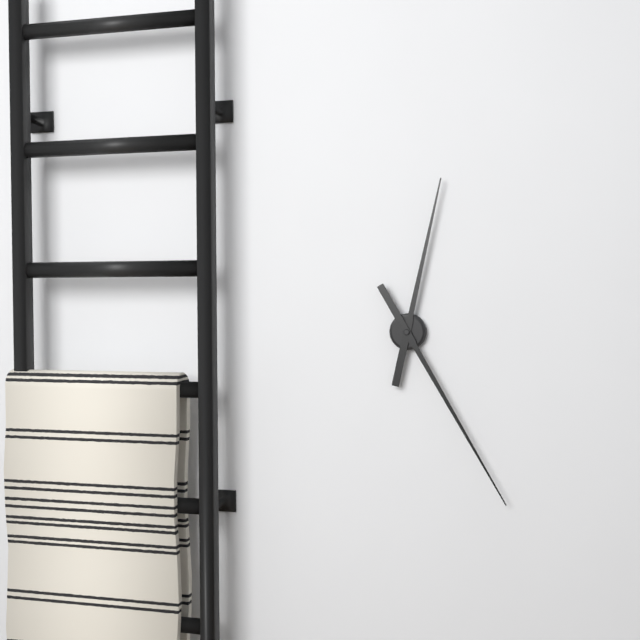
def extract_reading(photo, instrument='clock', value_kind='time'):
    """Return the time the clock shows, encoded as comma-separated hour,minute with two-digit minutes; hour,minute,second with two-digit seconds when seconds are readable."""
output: 12,25
